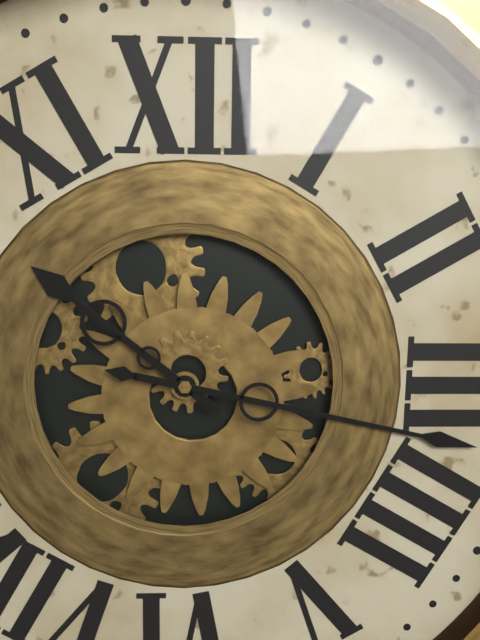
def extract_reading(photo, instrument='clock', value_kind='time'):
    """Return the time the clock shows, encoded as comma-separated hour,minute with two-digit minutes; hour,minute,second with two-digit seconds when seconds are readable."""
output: 10,17
